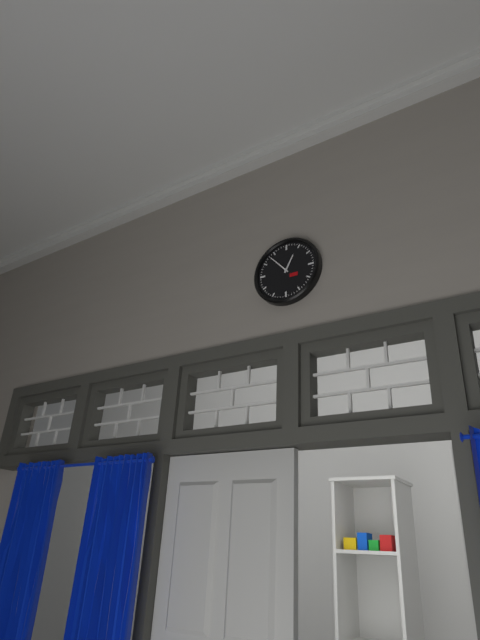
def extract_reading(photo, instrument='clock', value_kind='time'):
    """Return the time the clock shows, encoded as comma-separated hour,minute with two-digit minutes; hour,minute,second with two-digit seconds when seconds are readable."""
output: 12,53
